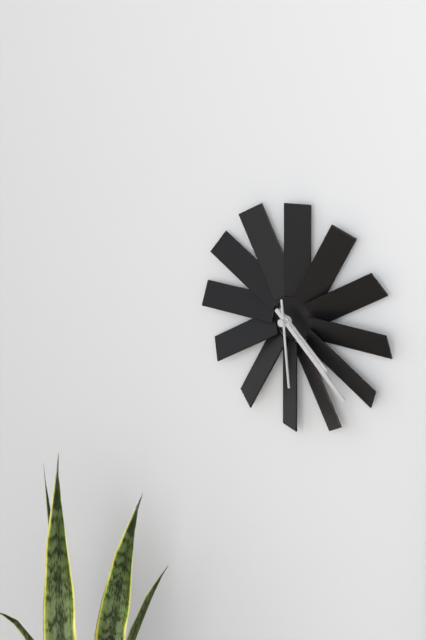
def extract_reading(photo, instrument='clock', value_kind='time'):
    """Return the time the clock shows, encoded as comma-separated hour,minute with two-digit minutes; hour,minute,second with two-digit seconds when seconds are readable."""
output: 4,22,29
